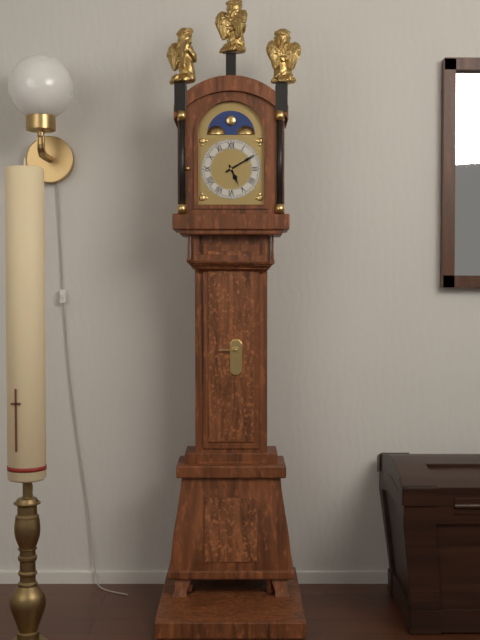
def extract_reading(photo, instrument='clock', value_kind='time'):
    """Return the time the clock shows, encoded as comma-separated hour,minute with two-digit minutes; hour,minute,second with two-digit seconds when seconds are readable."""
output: 5,10
